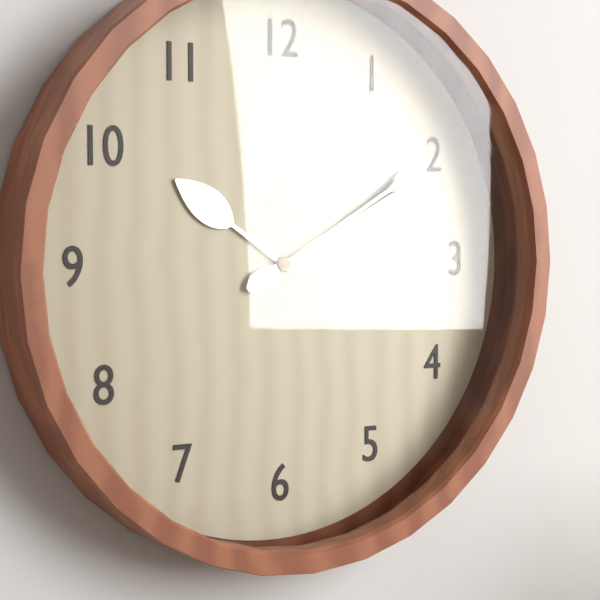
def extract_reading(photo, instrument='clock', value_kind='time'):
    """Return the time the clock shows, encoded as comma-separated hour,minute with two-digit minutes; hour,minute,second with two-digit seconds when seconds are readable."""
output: 10,10
